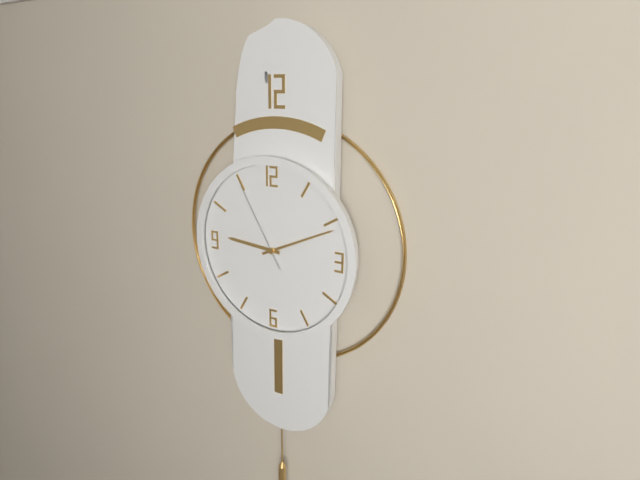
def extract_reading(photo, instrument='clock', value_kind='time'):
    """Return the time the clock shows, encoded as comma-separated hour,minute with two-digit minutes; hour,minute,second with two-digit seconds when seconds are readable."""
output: 9,11,55
